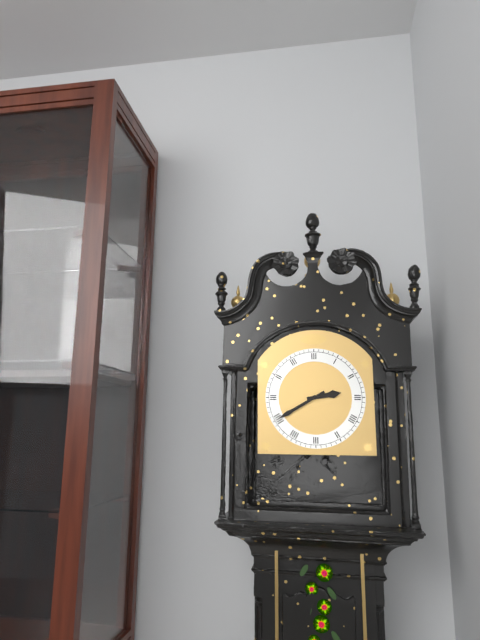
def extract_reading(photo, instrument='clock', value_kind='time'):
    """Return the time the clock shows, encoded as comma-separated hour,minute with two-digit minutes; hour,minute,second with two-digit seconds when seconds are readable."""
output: 2,40
